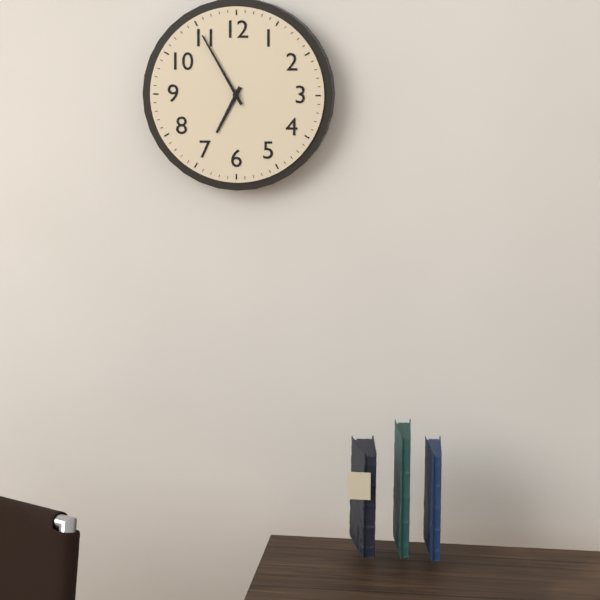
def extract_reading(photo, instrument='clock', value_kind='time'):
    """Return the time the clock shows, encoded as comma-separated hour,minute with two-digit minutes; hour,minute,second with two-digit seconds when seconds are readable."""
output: 6,55
